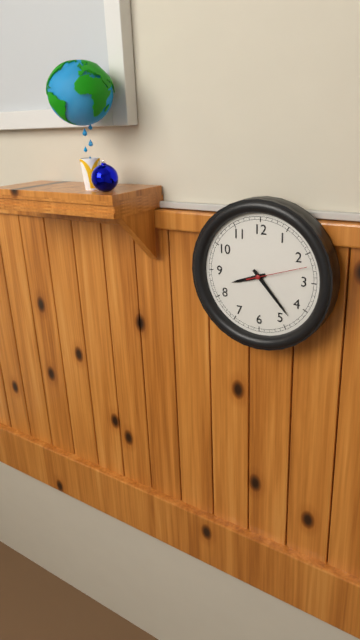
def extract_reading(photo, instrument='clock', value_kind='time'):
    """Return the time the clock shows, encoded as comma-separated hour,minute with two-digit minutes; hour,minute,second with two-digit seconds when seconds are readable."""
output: 8,23,12
